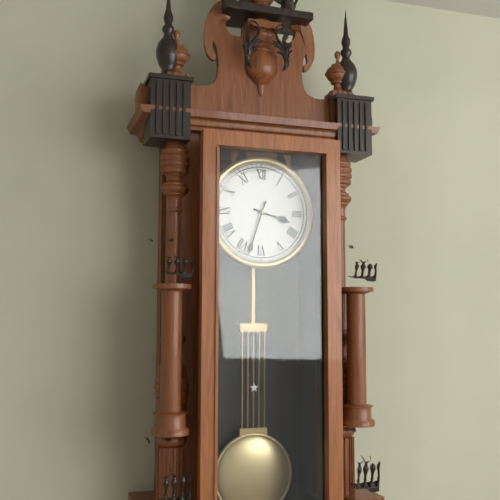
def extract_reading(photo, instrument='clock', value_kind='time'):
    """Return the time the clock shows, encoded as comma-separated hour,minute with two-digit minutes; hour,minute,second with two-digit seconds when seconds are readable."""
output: 3,33
